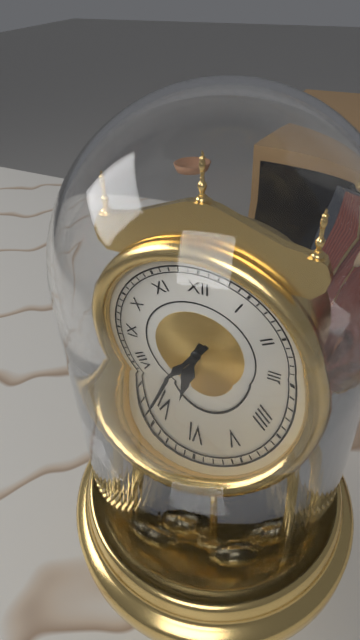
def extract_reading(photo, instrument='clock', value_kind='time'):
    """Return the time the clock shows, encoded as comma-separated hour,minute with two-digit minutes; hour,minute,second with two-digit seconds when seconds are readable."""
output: 6,36
